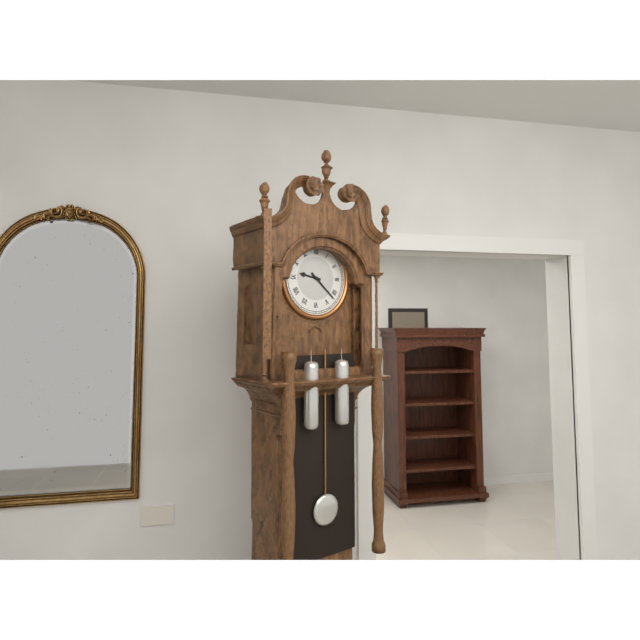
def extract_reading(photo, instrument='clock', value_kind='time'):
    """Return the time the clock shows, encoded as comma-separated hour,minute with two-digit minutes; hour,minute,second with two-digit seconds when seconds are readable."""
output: 9,22
